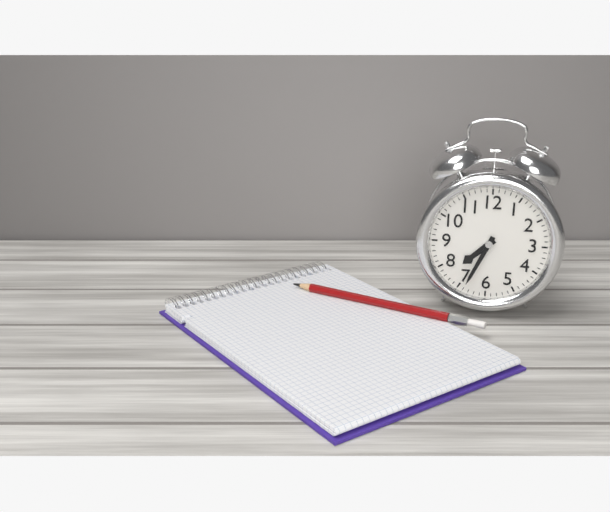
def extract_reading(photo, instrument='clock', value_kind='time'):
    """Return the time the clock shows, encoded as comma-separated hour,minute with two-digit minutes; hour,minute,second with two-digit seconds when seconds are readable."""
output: 7,34
